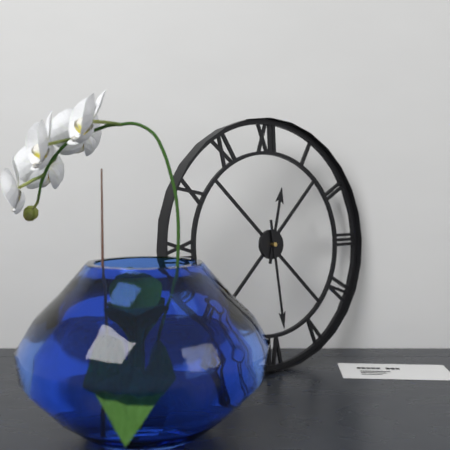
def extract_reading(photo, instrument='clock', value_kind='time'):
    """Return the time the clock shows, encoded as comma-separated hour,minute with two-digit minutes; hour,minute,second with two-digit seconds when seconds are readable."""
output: 12,29
